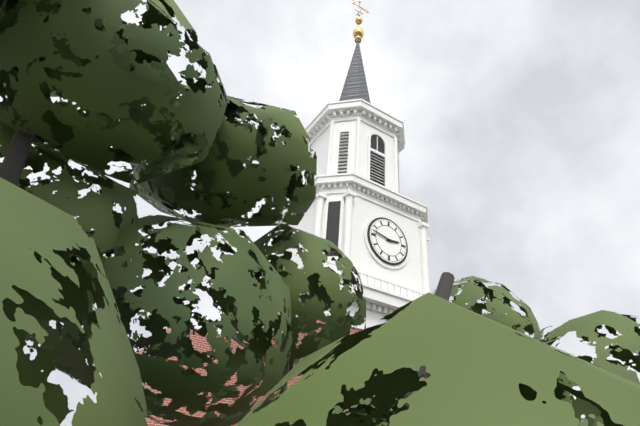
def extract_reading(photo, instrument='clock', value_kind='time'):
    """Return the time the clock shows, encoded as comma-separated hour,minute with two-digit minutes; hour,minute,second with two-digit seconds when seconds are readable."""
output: 2,47
